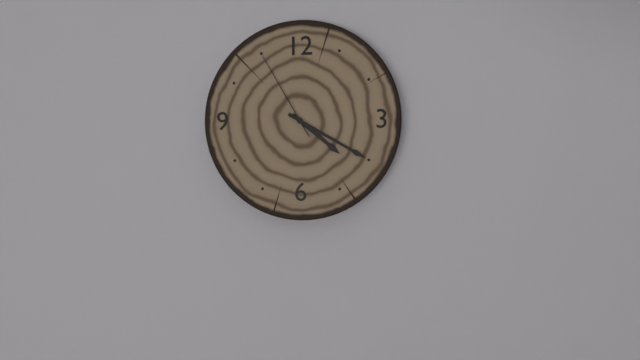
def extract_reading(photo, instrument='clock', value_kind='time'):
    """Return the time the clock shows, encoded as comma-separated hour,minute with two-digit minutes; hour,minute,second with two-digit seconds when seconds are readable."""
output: 4,20,55
